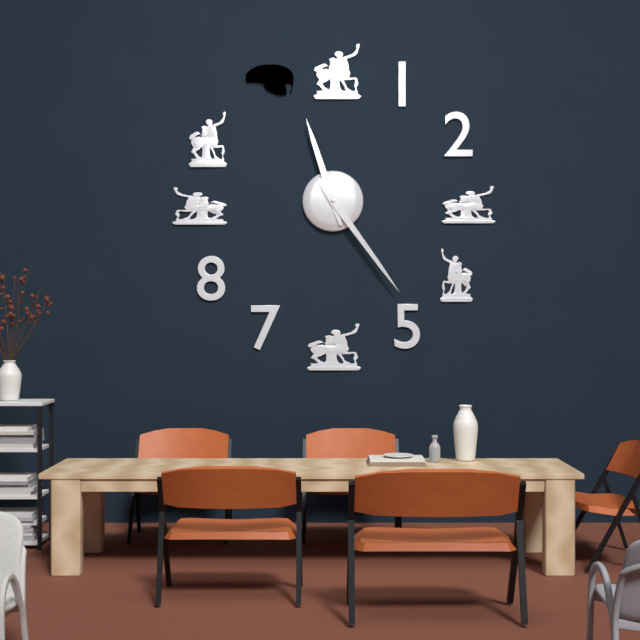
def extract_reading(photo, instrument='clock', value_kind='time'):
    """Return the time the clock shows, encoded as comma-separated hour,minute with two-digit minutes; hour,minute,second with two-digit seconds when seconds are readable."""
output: 11,24
